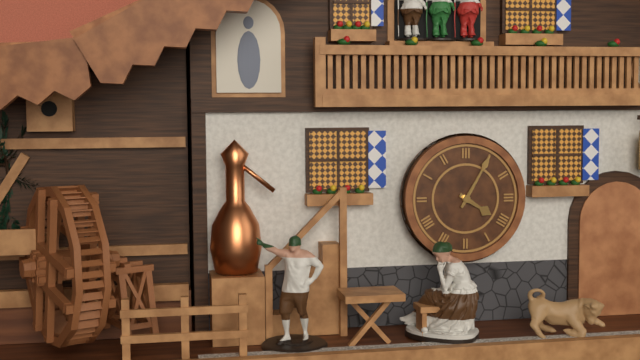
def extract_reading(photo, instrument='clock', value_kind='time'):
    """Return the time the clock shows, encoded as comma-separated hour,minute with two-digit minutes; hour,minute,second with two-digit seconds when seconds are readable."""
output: 4,05
